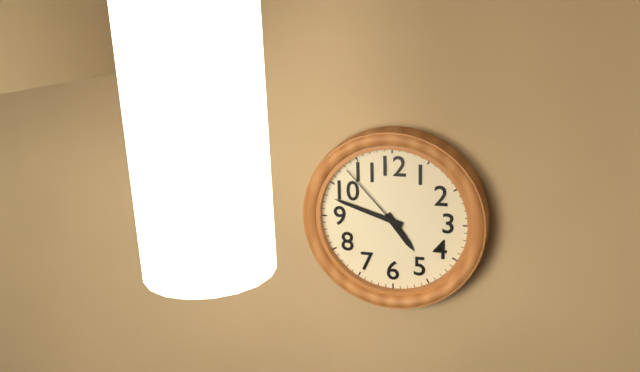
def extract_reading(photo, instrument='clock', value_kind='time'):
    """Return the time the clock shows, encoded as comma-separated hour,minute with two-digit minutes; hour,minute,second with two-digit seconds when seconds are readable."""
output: 4,48,53
